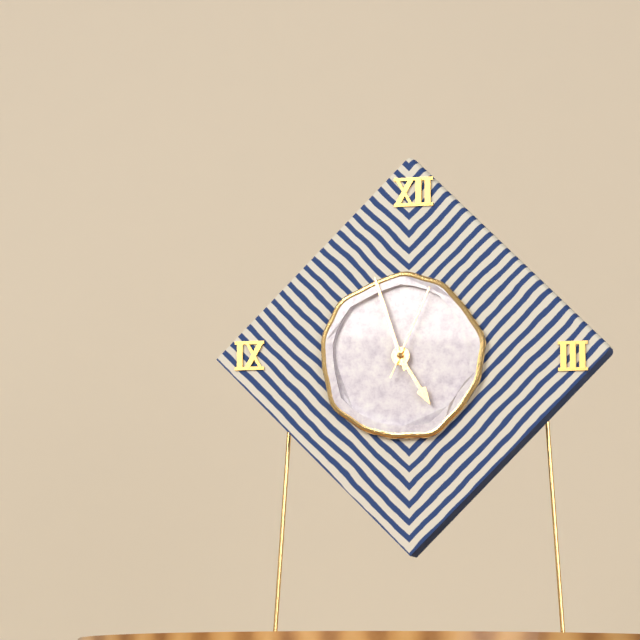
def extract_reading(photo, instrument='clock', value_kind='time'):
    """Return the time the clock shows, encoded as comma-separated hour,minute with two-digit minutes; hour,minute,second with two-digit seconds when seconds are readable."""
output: 4,57,04
